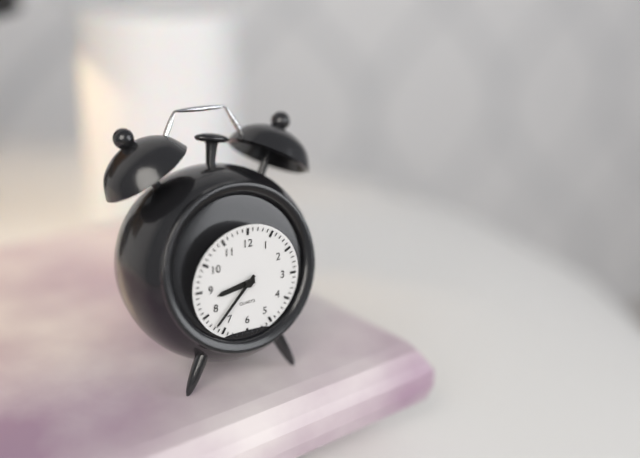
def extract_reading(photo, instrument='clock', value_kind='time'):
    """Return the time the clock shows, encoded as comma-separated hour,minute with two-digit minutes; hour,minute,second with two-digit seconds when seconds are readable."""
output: 8,37
